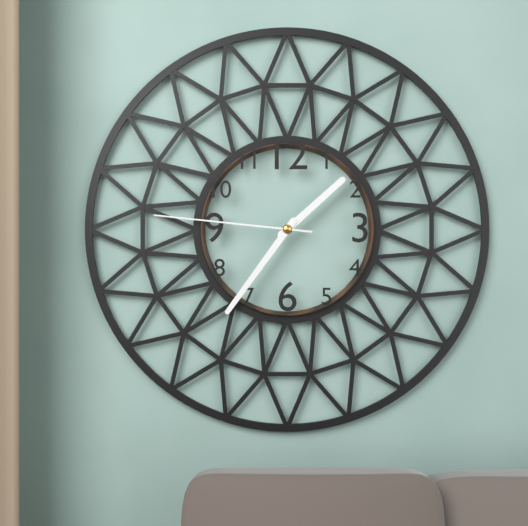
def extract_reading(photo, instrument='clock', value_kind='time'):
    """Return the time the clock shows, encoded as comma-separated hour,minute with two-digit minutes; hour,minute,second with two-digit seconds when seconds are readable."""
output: 1,36,46
